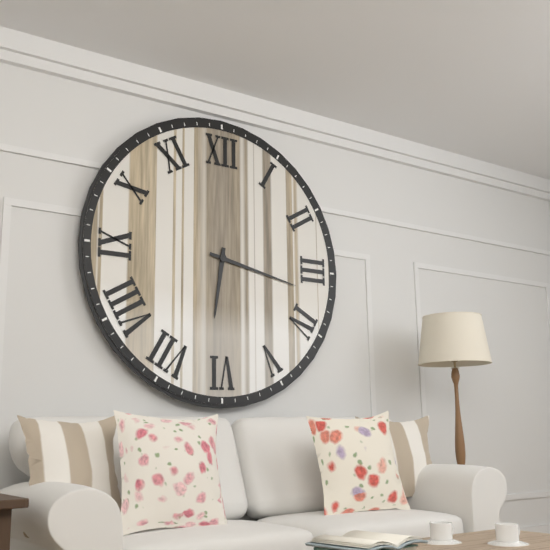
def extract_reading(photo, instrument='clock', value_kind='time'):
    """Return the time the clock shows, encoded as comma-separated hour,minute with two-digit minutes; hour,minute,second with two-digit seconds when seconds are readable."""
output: 6,17
